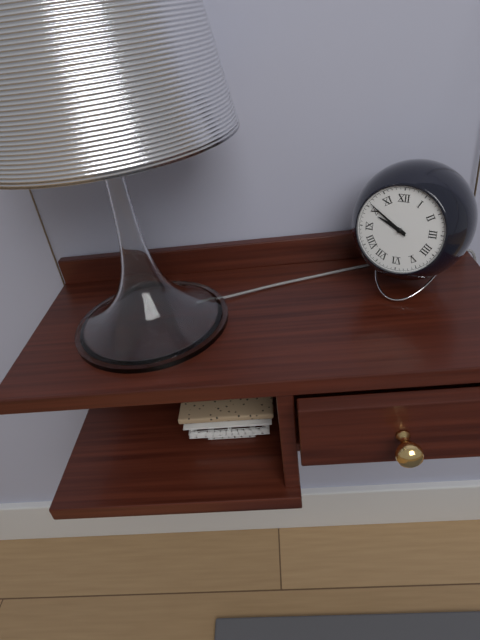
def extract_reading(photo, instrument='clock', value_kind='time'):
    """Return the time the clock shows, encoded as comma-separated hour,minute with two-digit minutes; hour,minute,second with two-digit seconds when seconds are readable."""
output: 9,51
